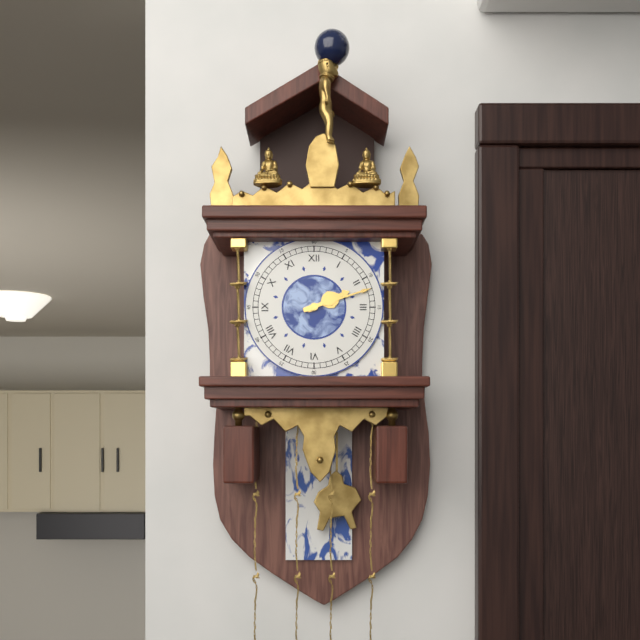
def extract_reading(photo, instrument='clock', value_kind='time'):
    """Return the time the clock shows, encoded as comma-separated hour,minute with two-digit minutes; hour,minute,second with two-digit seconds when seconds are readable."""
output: 2,12
